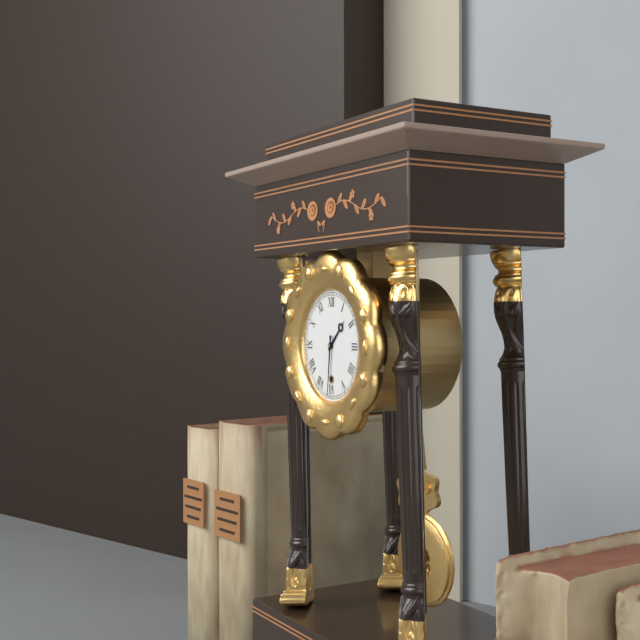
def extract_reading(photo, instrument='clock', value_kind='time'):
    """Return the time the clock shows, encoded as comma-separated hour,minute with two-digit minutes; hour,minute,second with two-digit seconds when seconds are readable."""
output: 1,31
